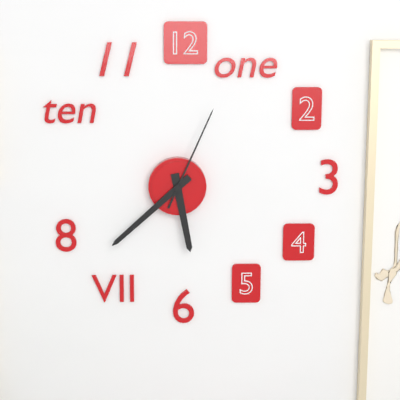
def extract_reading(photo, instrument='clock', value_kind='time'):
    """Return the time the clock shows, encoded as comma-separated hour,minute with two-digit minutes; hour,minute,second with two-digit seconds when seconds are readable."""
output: 5,38,04
